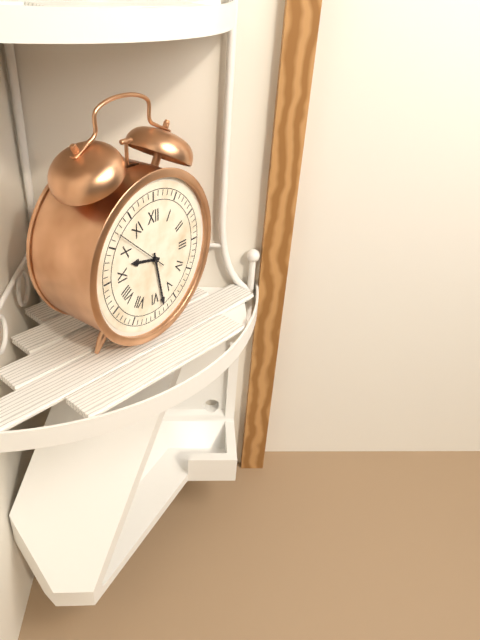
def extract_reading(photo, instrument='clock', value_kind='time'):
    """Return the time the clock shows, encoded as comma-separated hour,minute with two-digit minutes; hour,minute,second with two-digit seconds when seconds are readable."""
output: 9,28,52
